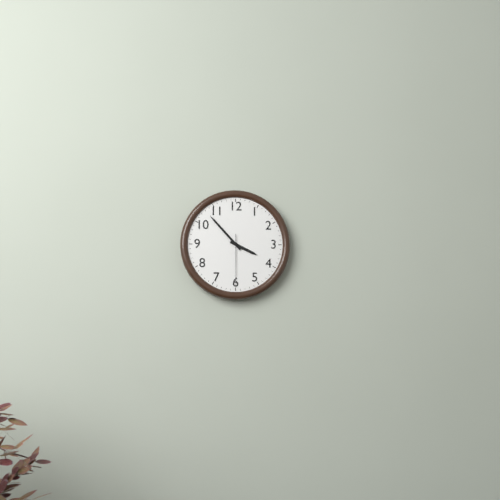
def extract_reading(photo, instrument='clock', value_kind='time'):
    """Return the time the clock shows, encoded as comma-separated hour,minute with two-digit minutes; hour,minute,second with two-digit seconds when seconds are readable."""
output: 3,53,30
